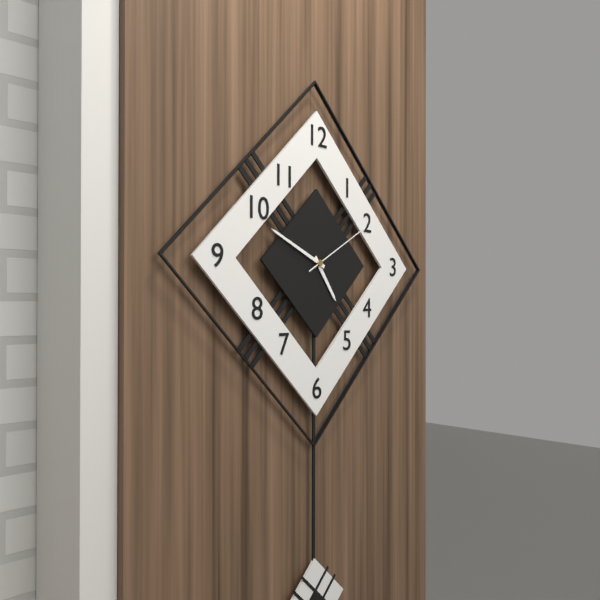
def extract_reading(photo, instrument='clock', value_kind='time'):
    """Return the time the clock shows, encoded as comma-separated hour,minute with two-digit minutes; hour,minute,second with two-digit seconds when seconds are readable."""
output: 4,49,10
